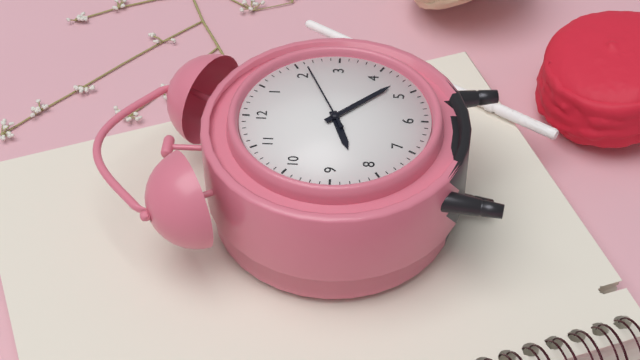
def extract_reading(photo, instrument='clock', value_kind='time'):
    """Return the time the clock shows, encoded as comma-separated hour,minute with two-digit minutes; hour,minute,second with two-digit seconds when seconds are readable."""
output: 8,23,11
